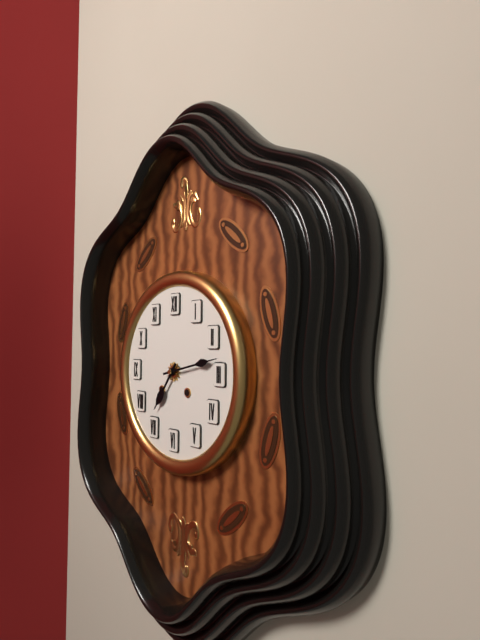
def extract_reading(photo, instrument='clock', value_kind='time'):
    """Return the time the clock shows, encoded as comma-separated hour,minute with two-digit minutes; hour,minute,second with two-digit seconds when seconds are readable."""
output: 7,13
